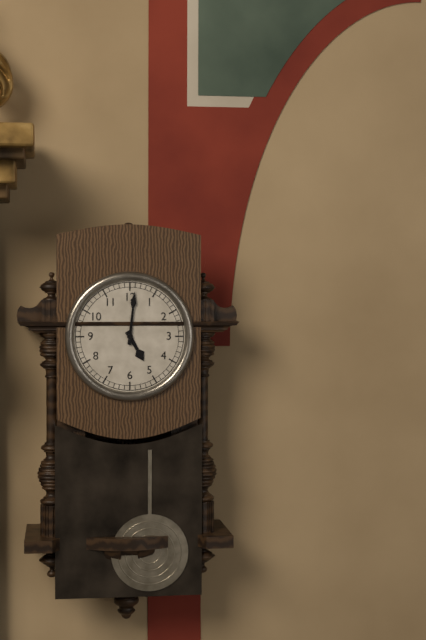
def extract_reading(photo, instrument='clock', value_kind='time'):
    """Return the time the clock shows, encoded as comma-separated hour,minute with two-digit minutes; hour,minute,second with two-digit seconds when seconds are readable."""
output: 5,01
